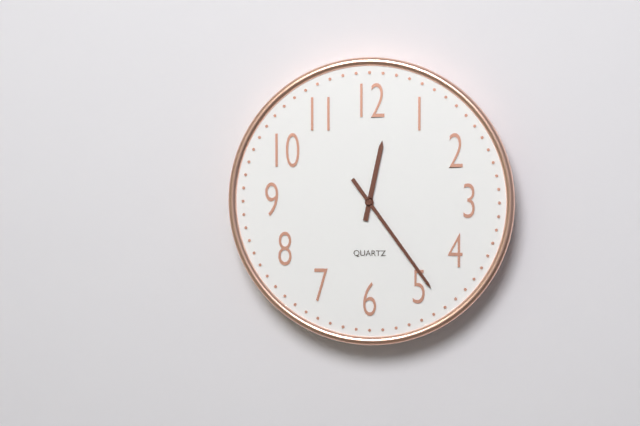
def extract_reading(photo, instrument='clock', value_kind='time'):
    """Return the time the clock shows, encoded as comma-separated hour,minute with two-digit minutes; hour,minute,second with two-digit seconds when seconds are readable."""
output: 12,24
